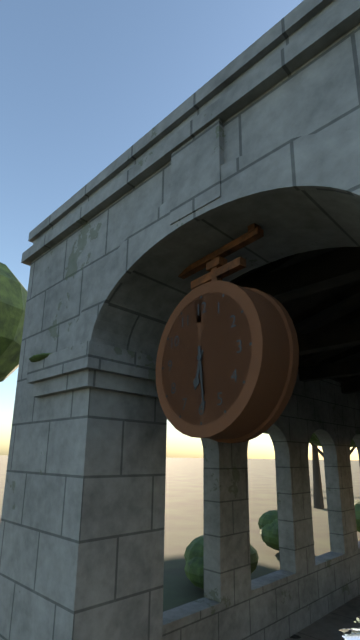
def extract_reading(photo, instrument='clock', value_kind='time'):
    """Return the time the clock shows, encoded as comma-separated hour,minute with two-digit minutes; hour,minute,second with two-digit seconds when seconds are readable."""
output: 6,29
